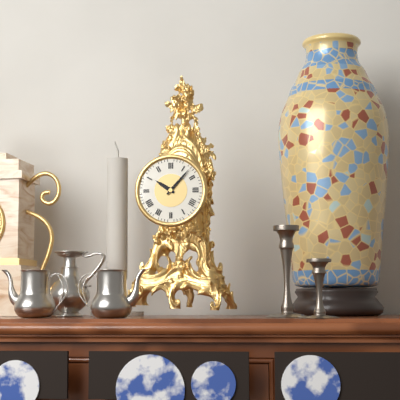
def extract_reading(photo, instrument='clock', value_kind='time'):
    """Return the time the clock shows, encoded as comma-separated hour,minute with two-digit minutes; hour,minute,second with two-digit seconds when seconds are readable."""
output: 10,07
